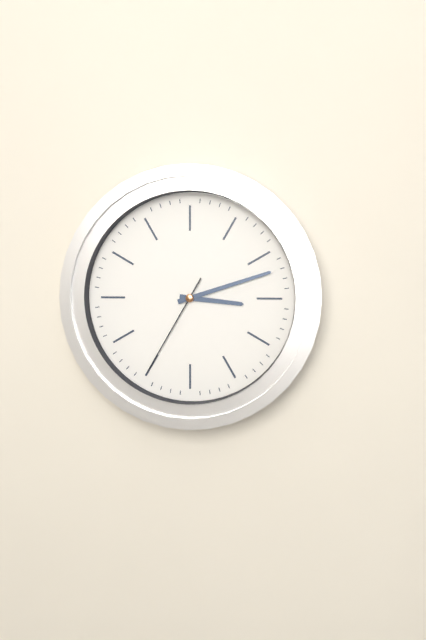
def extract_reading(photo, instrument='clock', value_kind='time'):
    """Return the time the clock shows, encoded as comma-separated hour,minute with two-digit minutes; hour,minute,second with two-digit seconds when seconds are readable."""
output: 3,12,35
